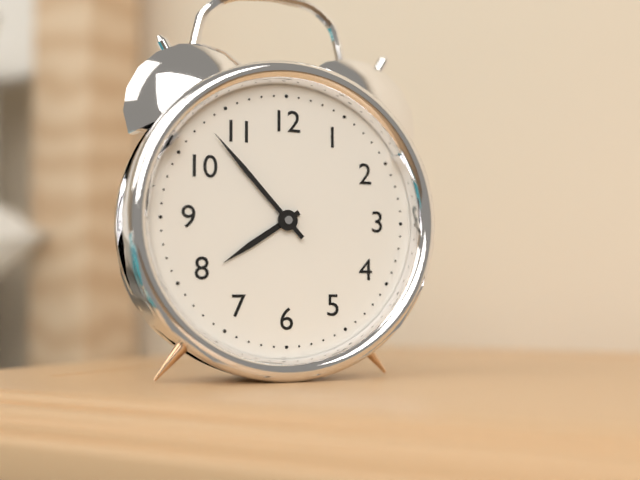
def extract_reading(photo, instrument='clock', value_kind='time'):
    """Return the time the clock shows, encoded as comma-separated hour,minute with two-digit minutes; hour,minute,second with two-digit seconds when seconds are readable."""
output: 7,53
